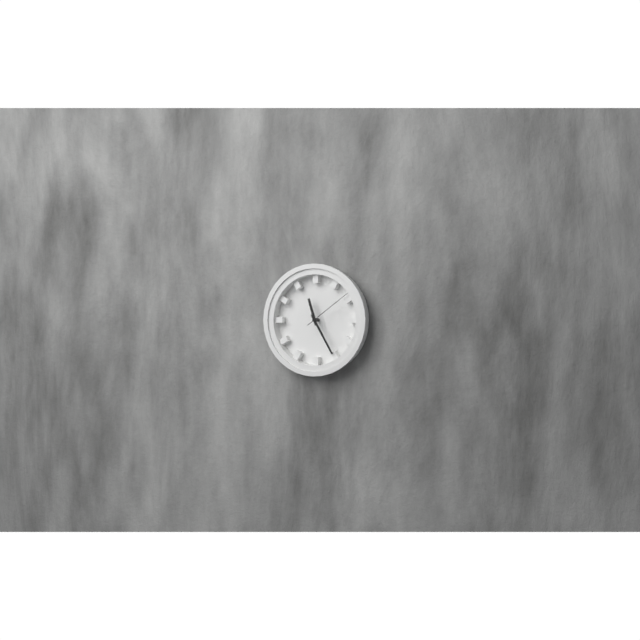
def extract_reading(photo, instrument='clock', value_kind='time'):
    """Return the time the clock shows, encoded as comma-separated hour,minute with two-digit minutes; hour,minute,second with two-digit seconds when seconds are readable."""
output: 11,25,09
